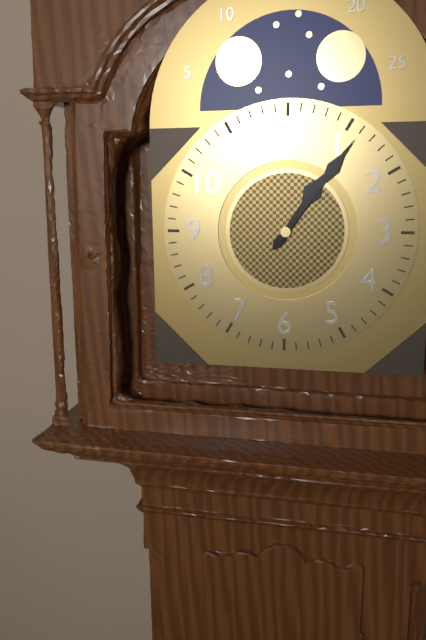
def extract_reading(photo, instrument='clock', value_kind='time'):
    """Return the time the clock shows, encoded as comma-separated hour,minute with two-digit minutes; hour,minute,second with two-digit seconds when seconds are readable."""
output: 1,06
